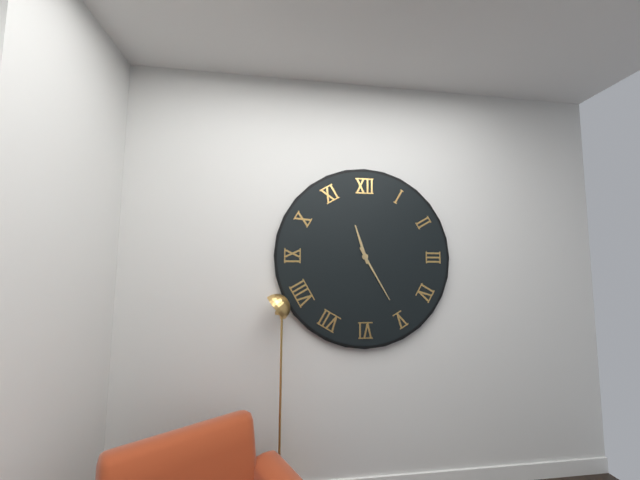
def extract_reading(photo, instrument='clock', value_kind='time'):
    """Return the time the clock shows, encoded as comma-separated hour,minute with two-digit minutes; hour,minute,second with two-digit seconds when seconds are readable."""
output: 11,25
